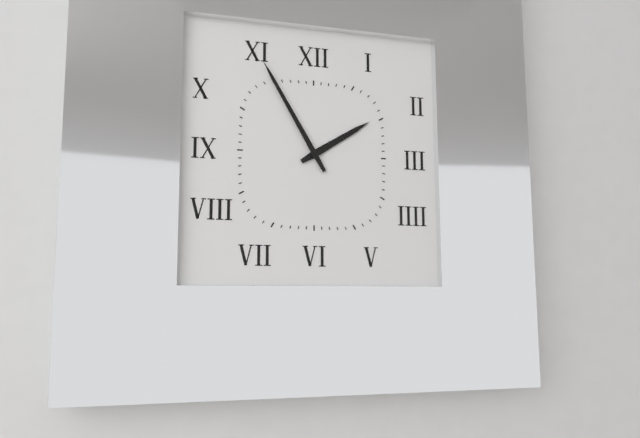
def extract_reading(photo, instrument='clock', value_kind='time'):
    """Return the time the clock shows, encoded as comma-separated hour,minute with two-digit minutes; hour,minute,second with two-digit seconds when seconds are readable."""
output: 1,55
